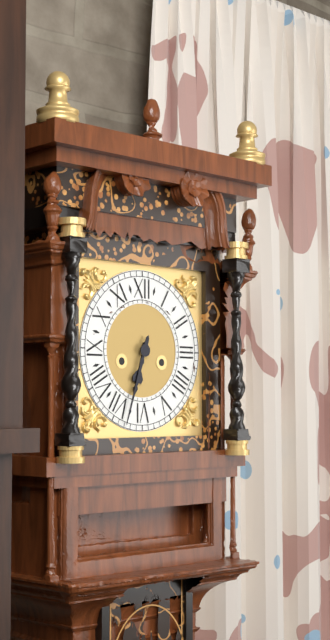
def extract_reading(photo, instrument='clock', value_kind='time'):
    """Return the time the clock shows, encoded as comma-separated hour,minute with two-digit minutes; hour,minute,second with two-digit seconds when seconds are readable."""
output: 6,33
